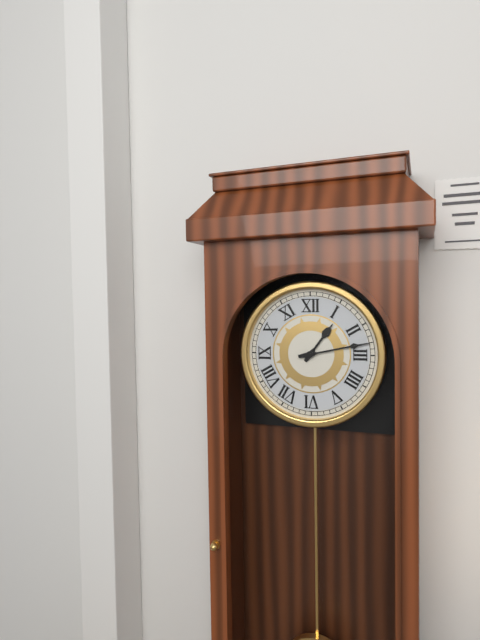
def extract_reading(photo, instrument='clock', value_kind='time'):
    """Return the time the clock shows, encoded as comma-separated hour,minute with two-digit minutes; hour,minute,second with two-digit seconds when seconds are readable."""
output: 1,13
